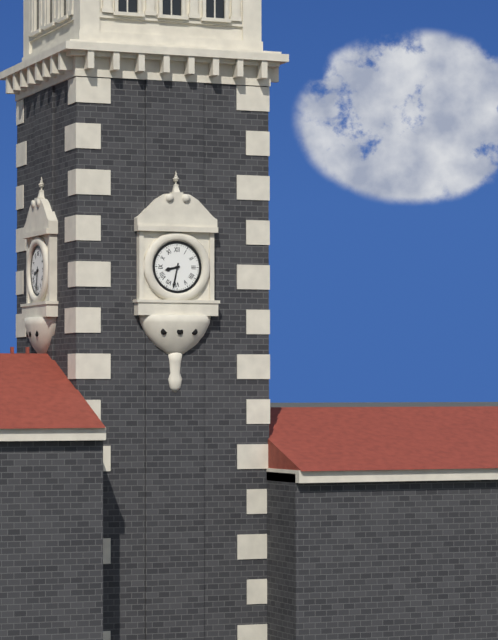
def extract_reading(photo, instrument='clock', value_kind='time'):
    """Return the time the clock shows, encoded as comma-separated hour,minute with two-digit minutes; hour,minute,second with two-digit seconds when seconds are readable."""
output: 8,32
